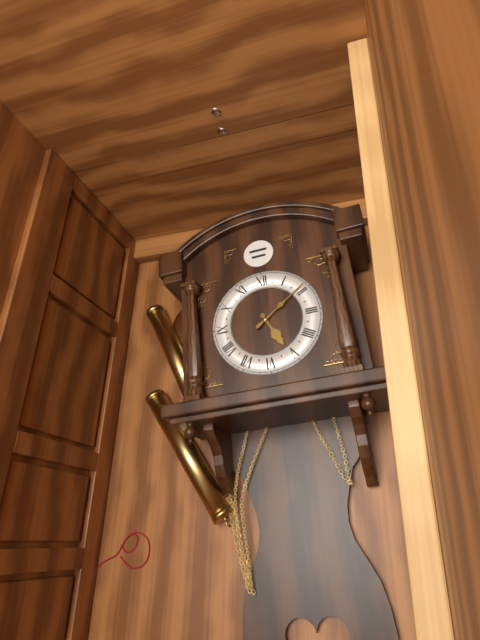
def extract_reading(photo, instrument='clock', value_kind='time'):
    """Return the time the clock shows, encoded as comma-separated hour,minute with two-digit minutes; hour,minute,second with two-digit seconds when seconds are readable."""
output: 5,09
